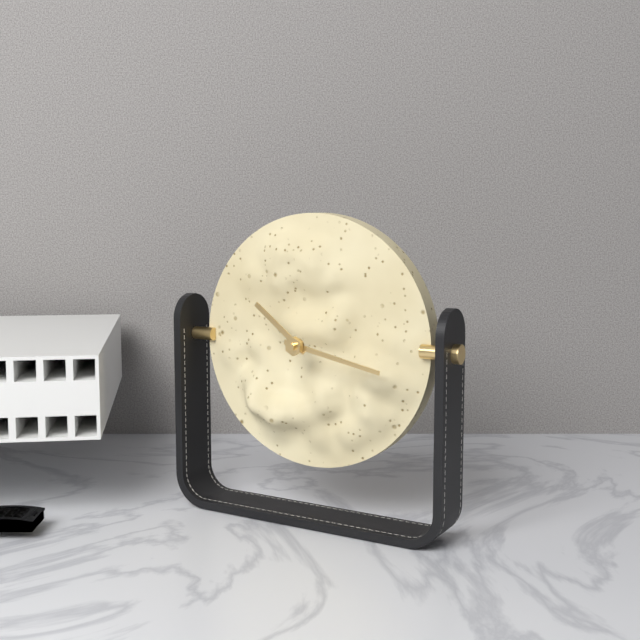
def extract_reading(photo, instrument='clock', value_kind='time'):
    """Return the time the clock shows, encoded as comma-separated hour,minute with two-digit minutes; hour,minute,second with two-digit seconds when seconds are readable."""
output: 10,17
